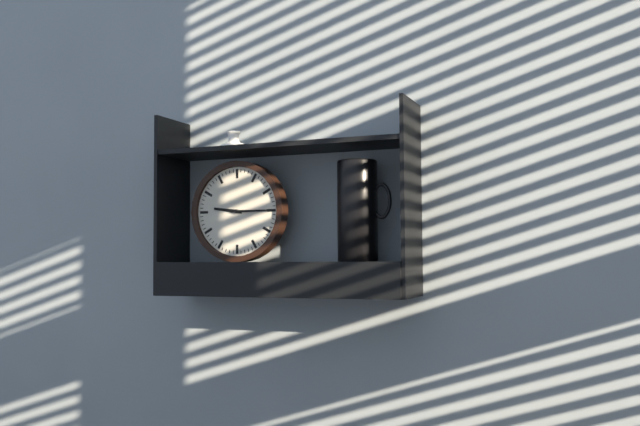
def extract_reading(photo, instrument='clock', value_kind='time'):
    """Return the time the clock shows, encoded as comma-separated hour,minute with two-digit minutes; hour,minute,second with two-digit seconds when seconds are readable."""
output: 9,15
